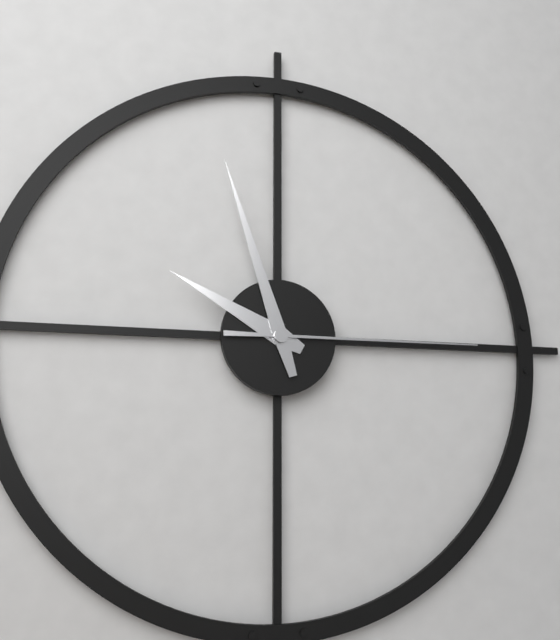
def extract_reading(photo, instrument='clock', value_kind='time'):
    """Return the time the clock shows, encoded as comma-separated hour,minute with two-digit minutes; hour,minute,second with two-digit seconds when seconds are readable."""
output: 9,57,15
